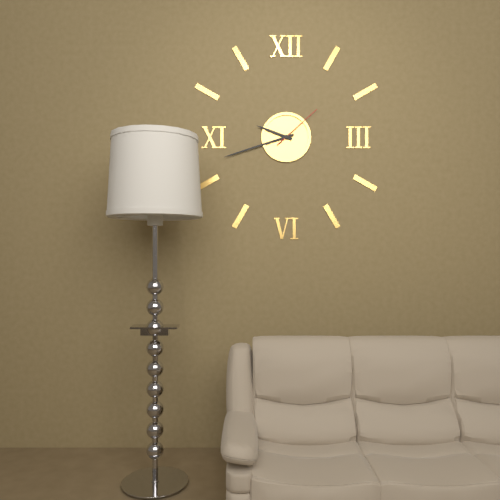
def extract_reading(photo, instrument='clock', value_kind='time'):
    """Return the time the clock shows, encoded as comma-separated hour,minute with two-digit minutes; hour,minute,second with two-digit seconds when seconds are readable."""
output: 9,42,08
